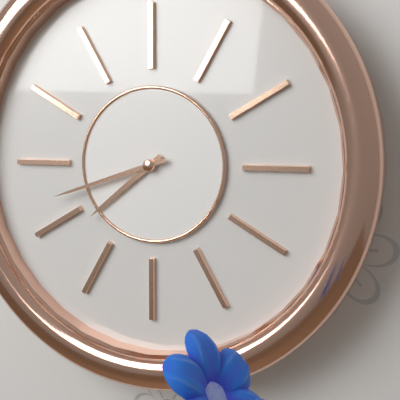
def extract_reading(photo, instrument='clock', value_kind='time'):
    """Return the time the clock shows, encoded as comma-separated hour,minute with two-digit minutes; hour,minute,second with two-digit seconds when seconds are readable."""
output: 7,42
